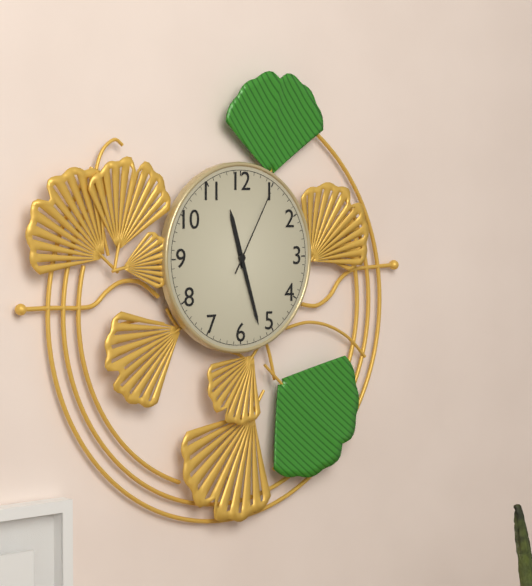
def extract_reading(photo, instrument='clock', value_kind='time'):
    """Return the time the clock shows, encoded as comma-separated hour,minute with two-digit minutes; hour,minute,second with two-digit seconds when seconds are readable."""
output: 11,27,05
